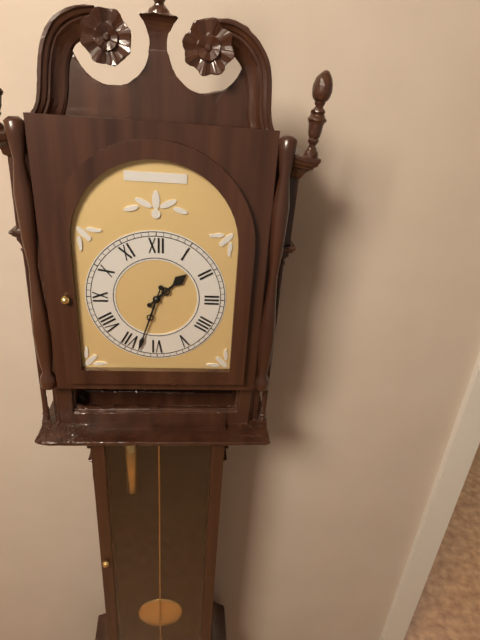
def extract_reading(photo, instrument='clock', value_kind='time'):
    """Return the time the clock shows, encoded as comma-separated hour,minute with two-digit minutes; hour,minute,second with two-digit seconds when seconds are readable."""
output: 1,33
